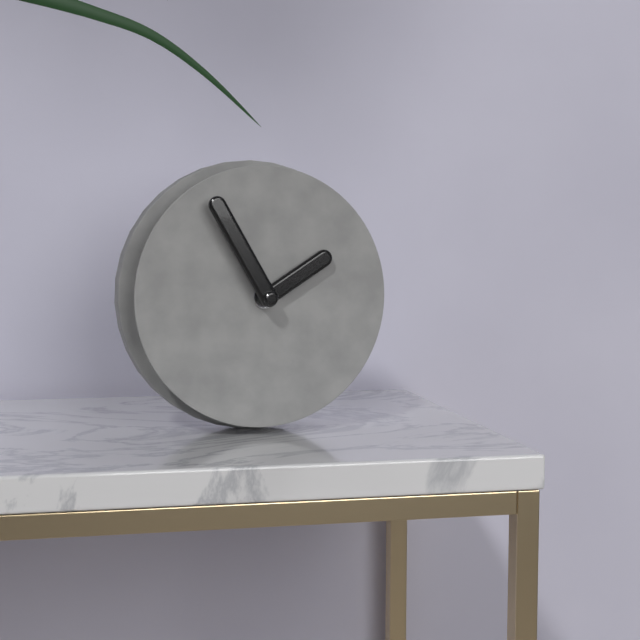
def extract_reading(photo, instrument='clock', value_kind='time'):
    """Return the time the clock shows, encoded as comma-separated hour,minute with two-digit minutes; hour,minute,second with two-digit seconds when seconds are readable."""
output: 1,55
